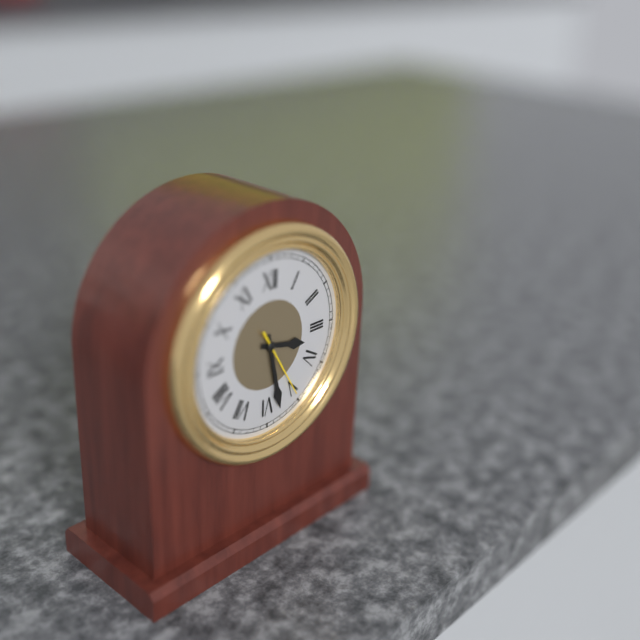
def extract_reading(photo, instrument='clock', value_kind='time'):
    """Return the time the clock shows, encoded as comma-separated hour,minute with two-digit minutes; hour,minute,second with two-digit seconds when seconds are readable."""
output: 3,28,25
